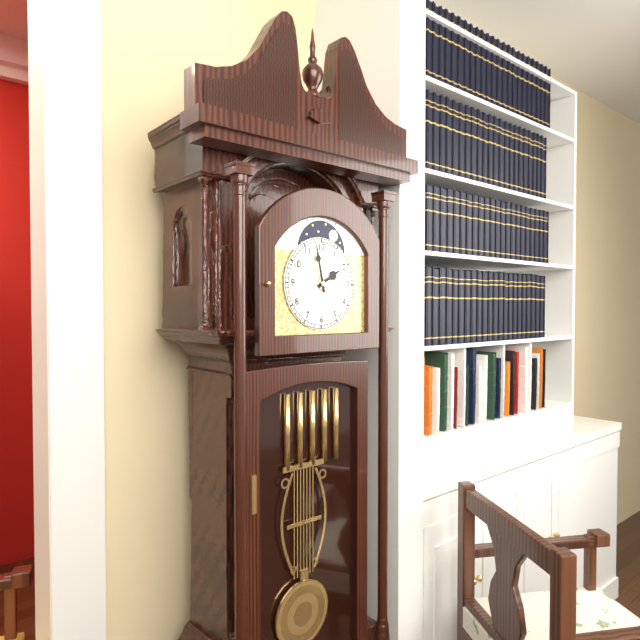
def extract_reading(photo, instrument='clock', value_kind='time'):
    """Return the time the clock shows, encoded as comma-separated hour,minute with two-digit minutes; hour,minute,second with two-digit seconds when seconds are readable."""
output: 1,58
